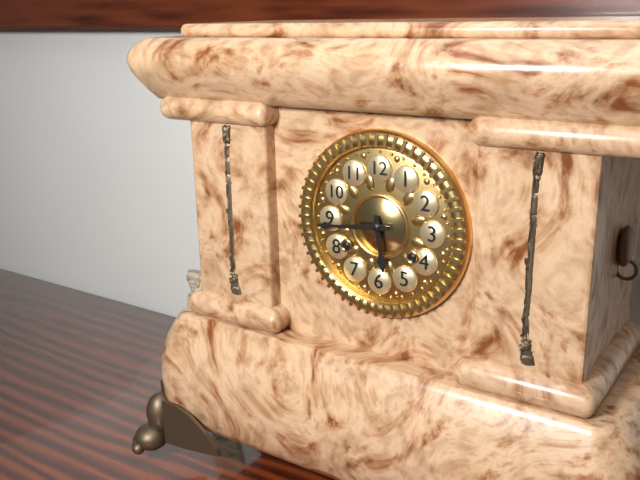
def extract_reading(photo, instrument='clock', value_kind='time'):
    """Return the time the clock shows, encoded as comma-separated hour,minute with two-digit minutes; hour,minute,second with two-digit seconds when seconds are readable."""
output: 5,44
